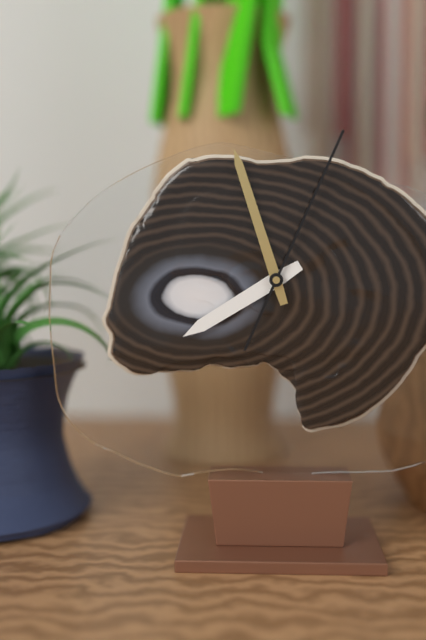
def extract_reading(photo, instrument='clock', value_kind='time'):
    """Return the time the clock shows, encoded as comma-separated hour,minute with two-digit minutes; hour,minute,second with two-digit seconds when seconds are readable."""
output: 7,57,04
